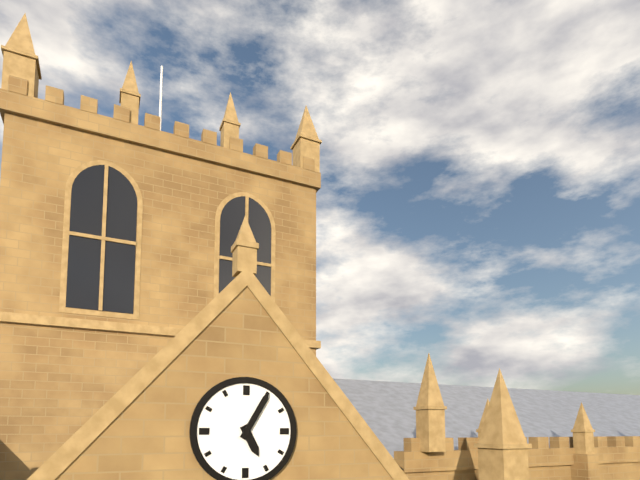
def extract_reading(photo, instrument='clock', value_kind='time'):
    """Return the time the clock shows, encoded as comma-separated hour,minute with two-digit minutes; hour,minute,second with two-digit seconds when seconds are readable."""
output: 5,05
